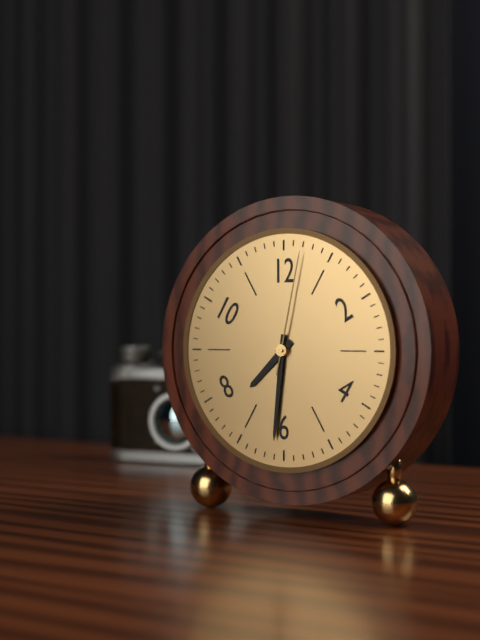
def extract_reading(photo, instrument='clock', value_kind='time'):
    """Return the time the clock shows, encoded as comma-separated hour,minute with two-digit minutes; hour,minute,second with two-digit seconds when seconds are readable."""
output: 7,31,02
